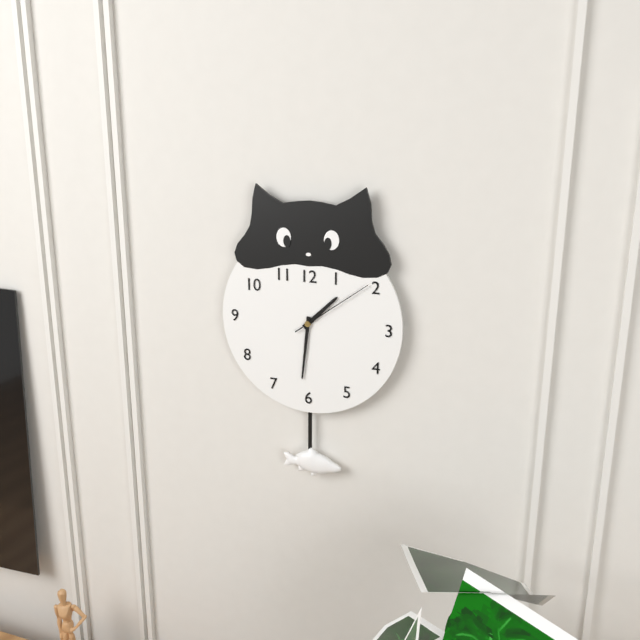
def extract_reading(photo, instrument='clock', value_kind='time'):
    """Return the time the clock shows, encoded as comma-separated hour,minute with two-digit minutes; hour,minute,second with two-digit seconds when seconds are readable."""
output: 1,31,09
